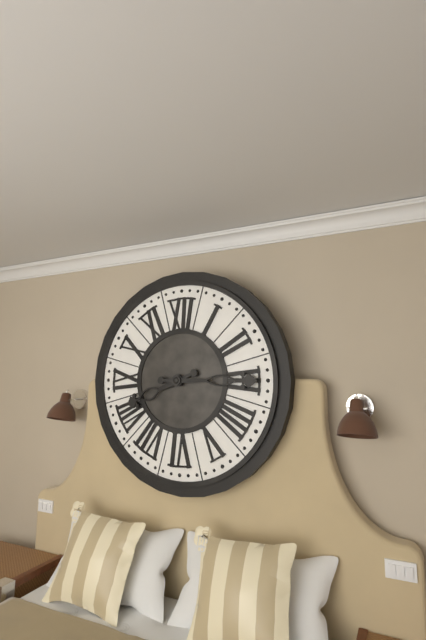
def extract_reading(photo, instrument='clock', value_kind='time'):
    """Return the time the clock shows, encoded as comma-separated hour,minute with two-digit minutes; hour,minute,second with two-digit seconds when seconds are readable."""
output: 8,15
